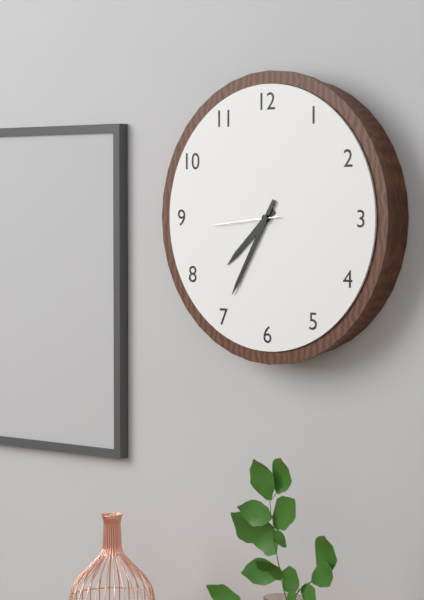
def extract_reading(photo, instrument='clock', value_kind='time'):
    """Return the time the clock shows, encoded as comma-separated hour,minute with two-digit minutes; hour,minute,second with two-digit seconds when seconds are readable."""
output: 7,35,44
